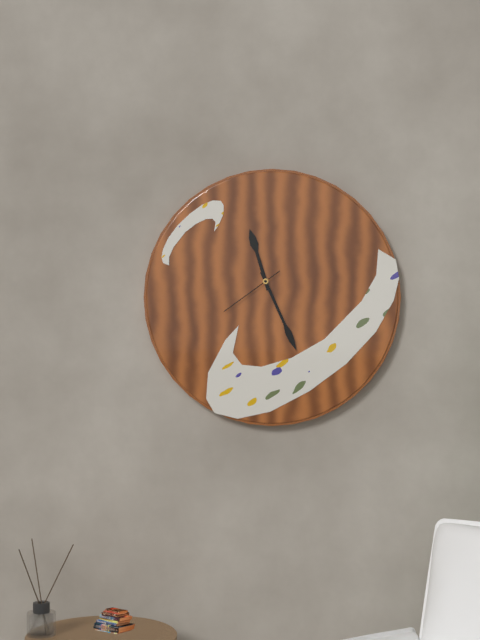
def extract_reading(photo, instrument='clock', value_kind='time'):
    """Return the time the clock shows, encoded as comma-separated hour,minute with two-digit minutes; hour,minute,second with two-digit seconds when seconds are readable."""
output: 11,26,39
